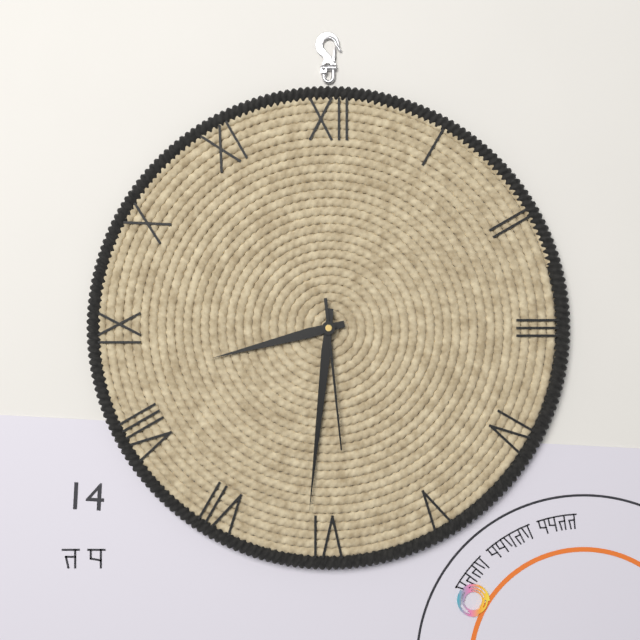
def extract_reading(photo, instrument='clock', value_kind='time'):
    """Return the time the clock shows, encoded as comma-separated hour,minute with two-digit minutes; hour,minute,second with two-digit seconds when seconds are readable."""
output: 8,31,29
